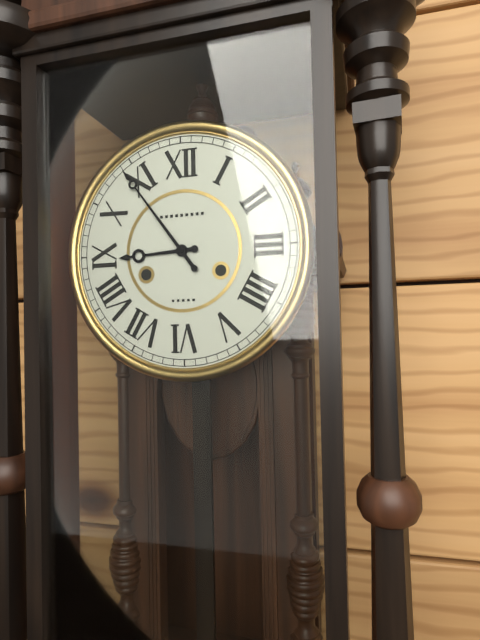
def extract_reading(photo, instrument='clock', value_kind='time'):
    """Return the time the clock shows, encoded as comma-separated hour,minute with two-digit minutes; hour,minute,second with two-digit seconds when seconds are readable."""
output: 8,54
